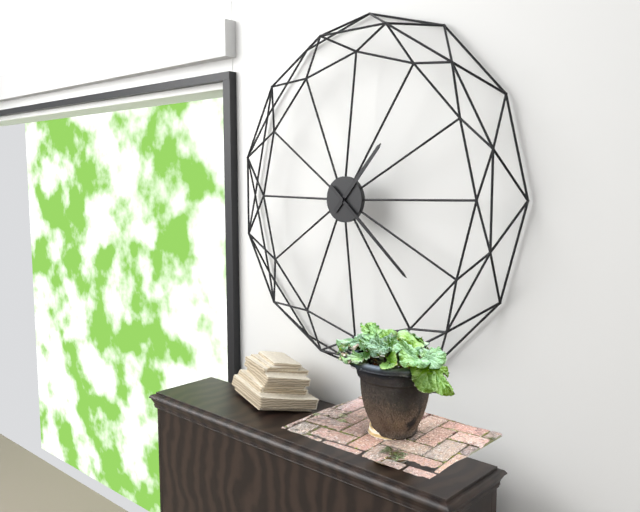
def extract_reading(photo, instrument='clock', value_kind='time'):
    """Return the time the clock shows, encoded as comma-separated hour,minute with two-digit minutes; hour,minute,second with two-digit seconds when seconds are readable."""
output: 1,22
